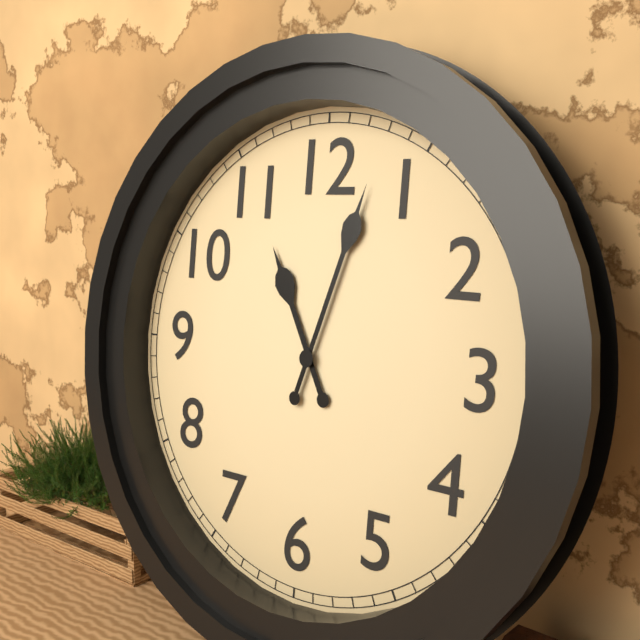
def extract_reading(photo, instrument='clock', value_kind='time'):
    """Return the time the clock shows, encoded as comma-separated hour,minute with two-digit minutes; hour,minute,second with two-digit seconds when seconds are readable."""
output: 11,03
